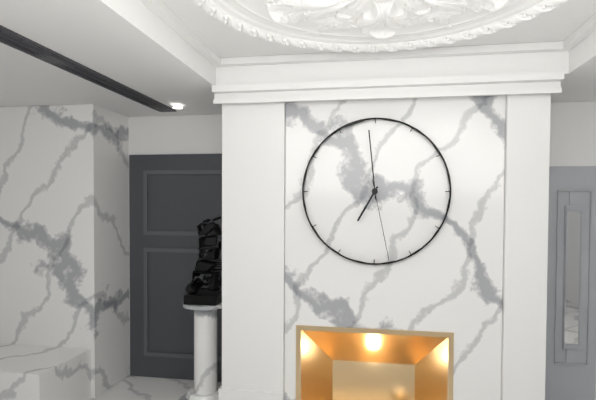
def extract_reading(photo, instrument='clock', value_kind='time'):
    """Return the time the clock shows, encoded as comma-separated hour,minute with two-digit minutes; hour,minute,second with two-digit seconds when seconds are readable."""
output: 6,59,28
